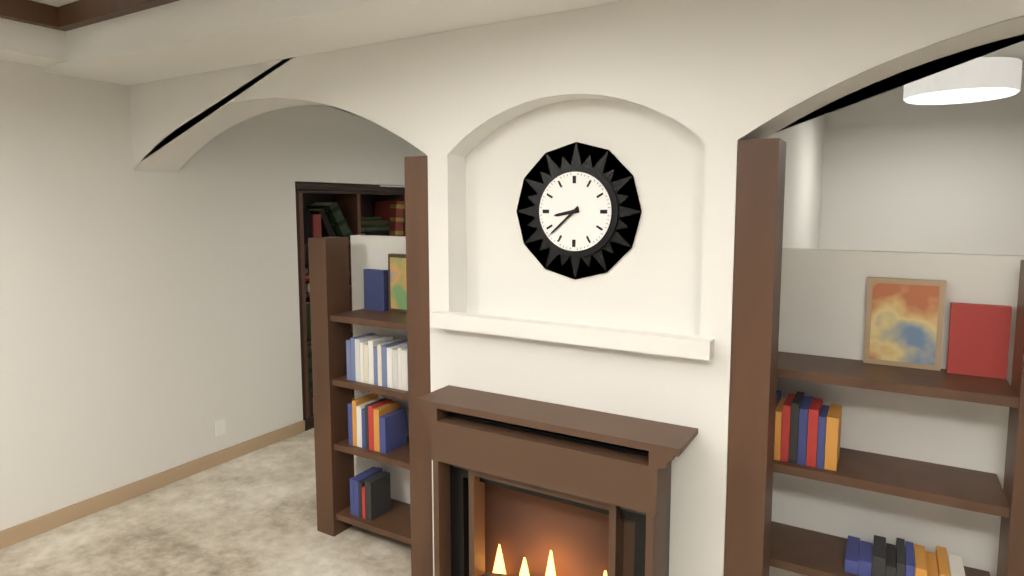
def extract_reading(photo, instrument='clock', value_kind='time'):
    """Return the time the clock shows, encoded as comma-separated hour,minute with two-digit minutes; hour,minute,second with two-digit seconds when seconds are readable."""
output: 8,38
